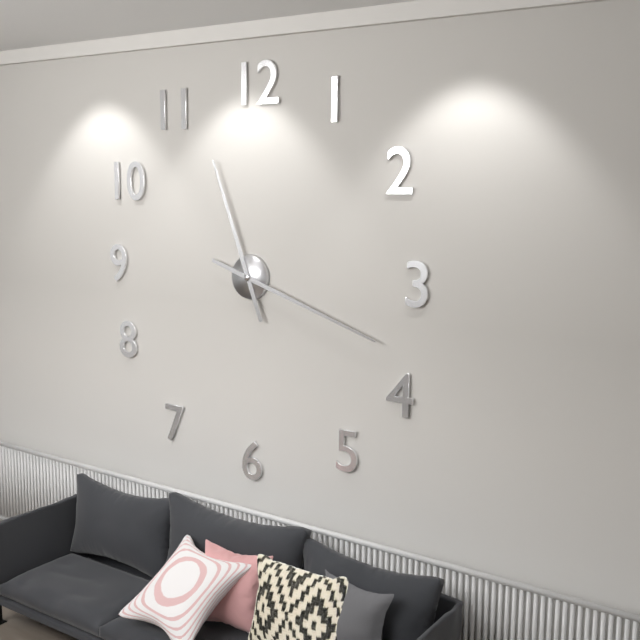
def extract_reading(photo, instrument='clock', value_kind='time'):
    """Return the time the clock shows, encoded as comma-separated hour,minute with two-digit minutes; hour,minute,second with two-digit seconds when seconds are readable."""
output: 11,18
